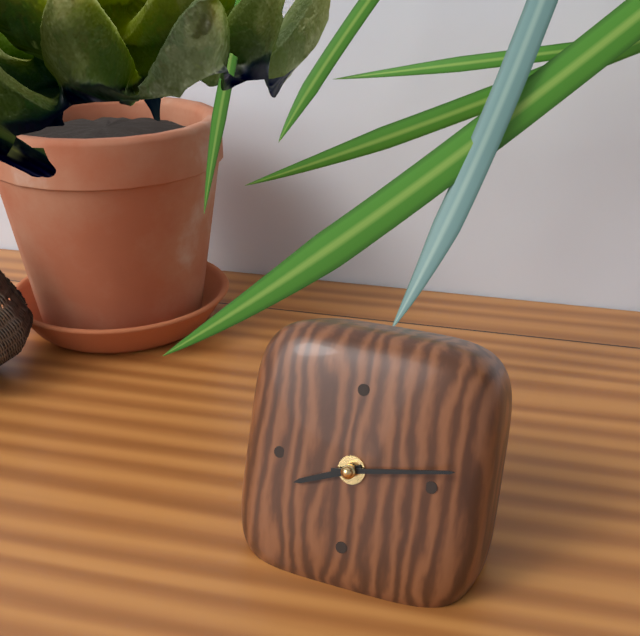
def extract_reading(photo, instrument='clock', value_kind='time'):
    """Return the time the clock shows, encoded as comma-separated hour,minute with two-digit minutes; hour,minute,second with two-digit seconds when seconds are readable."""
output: 8,13
